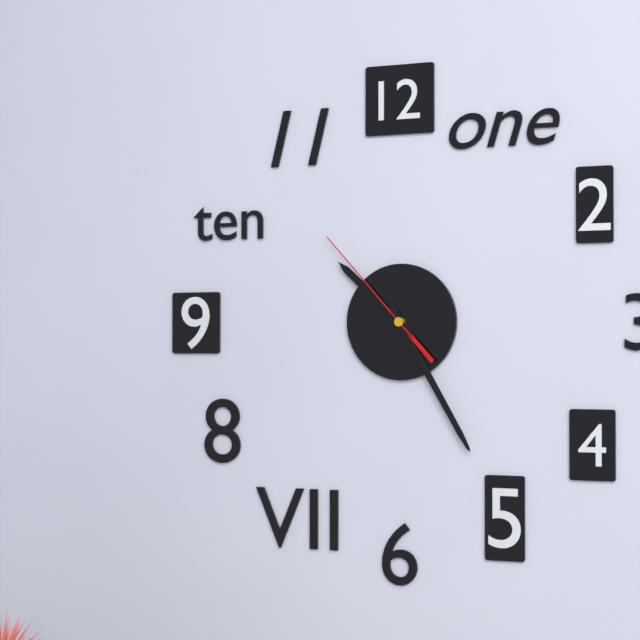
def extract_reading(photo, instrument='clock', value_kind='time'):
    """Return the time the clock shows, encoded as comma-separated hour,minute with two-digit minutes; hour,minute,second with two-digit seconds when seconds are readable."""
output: 10,25,53
